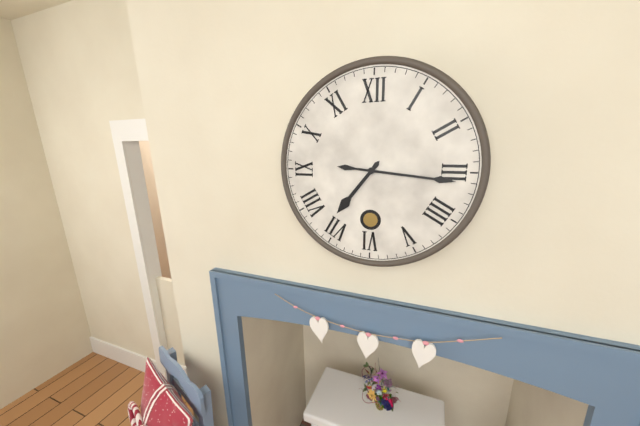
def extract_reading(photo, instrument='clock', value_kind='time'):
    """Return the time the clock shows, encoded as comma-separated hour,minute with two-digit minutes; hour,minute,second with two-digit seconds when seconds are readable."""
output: 7,16
